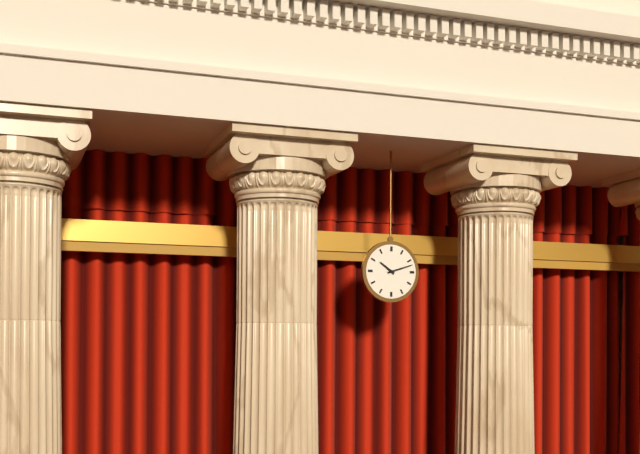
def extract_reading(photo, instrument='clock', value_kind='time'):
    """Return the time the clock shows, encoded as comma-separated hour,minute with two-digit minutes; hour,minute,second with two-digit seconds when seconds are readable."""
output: 10,12
